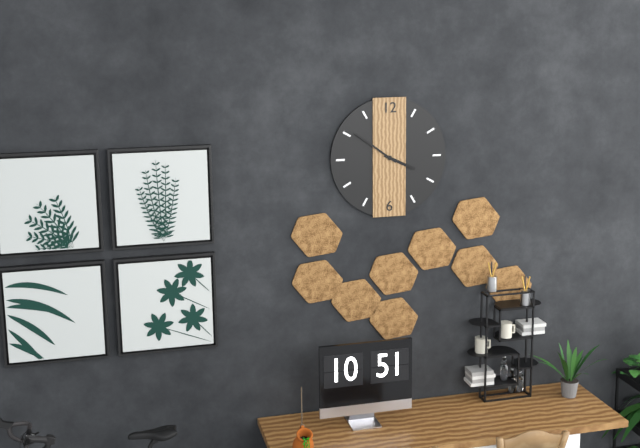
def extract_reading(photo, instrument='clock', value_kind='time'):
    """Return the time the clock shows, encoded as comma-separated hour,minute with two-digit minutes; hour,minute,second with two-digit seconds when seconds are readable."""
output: 3,51
